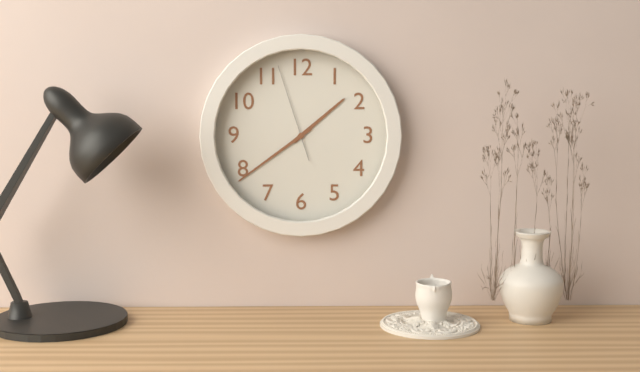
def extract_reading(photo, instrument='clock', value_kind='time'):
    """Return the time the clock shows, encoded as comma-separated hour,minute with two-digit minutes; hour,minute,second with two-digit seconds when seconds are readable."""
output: 1,39,57
